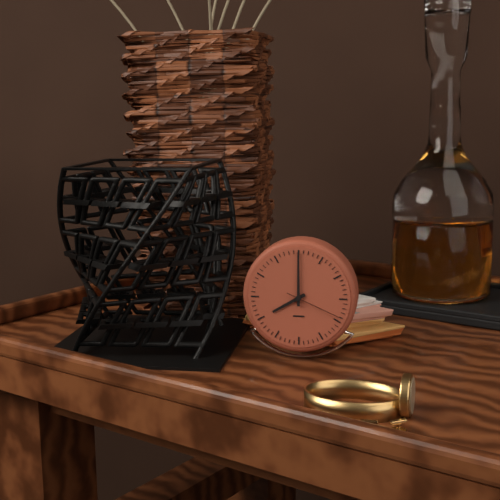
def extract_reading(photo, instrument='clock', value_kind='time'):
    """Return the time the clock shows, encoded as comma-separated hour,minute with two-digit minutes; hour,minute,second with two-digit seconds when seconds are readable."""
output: 8,00,19
